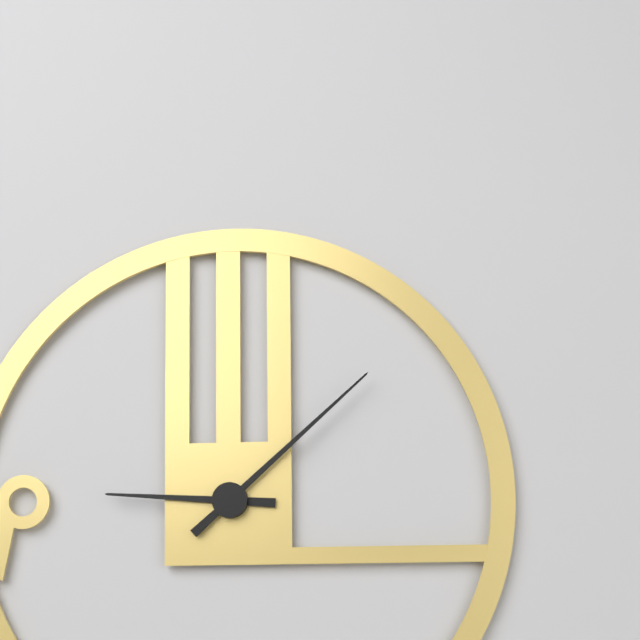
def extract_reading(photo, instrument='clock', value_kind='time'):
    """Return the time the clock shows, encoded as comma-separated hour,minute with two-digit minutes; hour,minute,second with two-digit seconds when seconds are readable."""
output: 9,08
